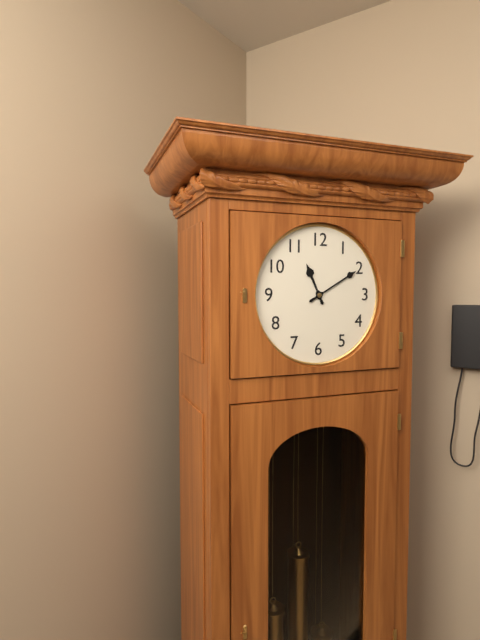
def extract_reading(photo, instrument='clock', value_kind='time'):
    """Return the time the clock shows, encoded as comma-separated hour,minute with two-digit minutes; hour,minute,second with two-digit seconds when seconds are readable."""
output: 11,10
